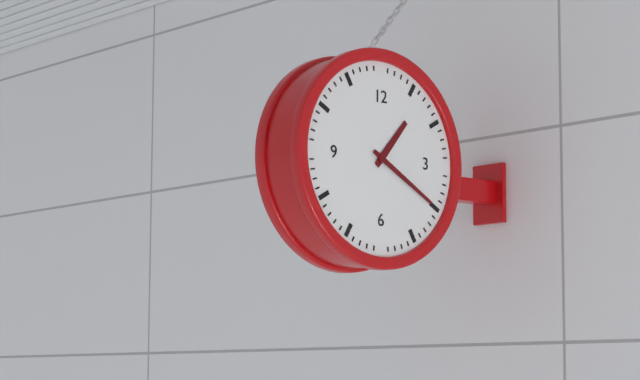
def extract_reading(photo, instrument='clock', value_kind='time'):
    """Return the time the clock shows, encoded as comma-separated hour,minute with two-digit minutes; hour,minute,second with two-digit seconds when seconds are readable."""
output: 1,20
